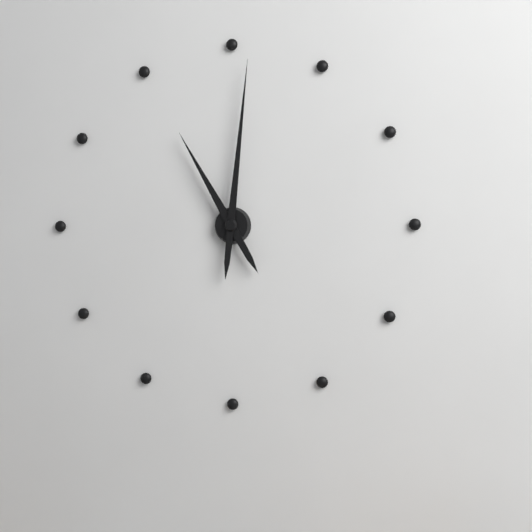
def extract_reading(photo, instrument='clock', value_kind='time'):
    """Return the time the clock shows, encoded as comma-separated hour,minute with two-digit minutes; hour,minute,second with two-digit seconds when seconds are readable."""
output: 11,01
